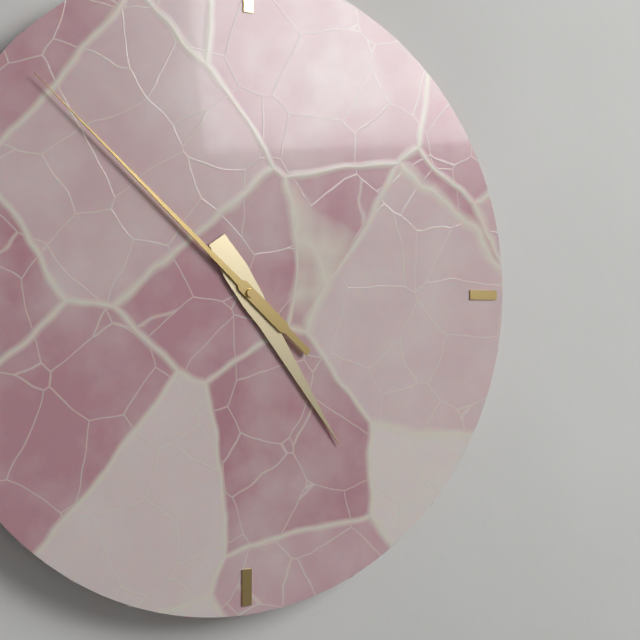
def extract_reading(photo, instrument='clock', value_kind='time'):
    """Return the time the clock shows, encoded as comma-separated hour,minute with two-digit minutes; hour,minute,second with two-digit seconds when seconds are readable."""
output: 4,52
